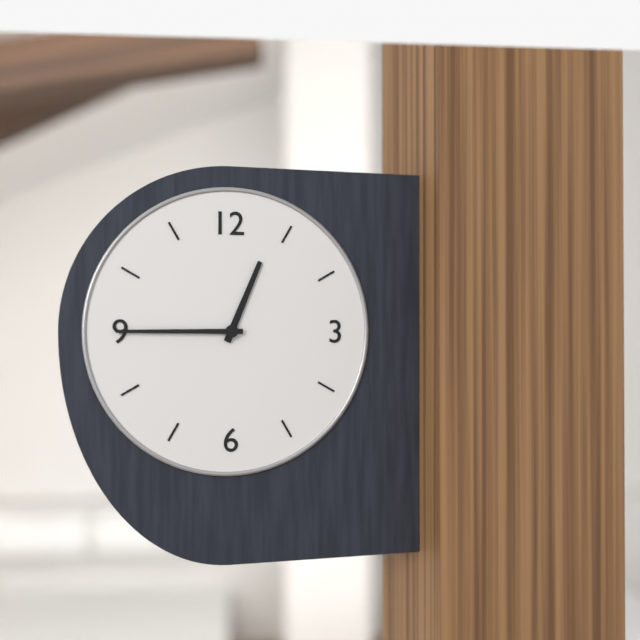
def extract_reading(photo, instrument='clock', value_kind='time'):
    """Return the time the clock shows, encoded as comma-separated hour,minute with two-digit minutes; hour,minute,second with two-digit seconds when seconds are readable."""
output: 12,45
